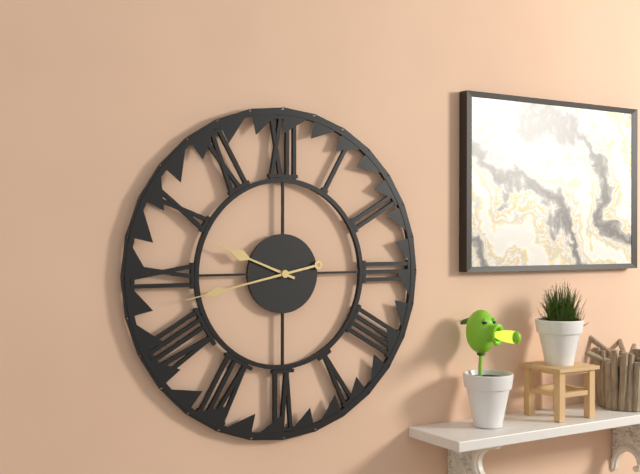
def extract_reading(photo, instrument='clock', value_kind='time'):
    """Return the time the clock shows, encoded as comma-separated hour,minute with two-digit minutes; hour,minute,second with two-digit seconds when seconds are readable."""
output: 9,43
